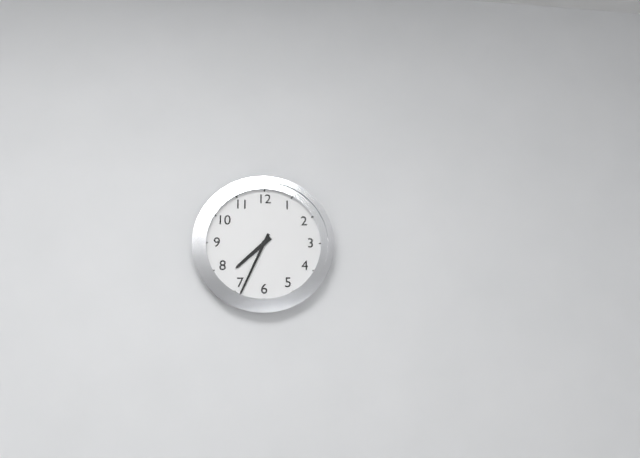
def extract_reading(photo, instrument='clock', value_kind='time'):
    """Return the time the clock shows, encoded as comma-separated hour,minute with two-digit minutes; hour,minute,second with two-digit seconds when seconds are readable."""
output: 7,34
